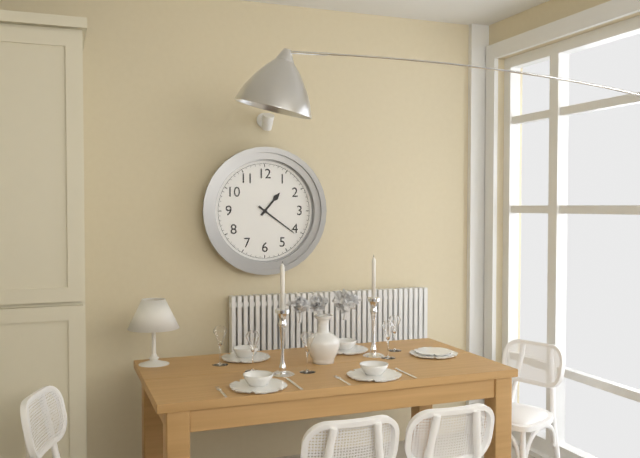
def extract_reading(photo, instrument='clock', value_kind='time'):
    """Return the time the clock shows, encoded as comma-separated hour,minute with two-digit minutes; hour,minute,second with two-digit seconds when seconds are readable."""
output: 1,21
